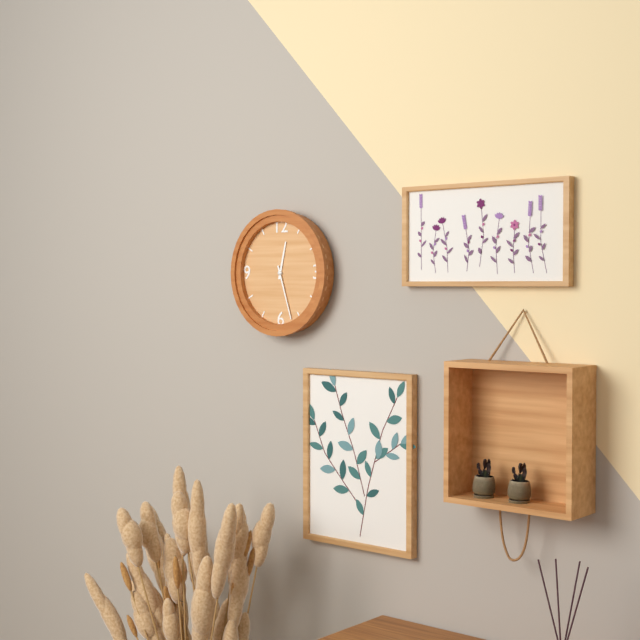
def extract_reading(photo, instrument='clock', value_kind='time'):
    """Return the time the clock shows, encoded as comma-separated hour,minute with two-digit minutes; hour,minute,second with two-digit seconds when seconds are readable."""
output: 12,27
